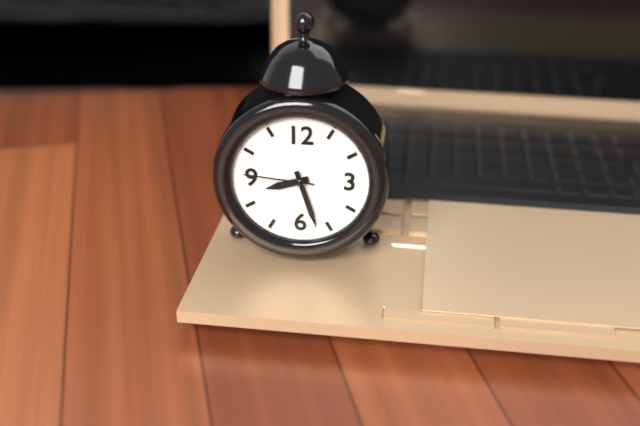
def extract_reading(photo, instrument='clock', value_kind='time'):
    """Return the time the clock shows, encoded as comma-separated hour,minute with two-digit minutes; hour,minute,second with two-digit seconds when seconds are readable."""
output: 8,27,46
